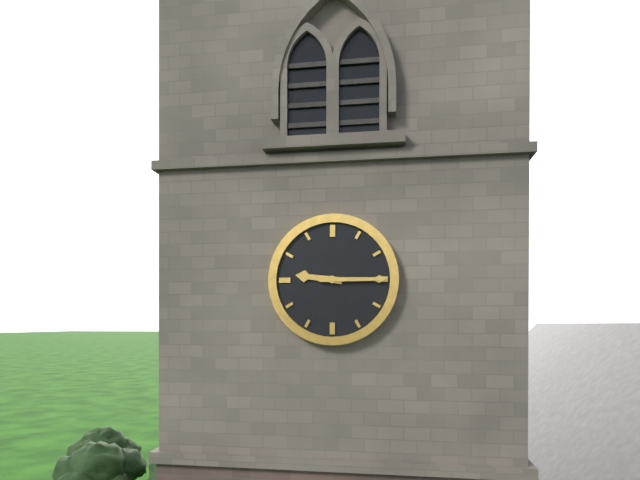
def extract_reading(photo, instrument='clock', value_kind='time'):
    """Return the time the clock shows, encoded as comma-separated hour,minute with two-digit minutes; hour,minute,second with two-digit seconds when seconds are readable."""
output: 9,15
